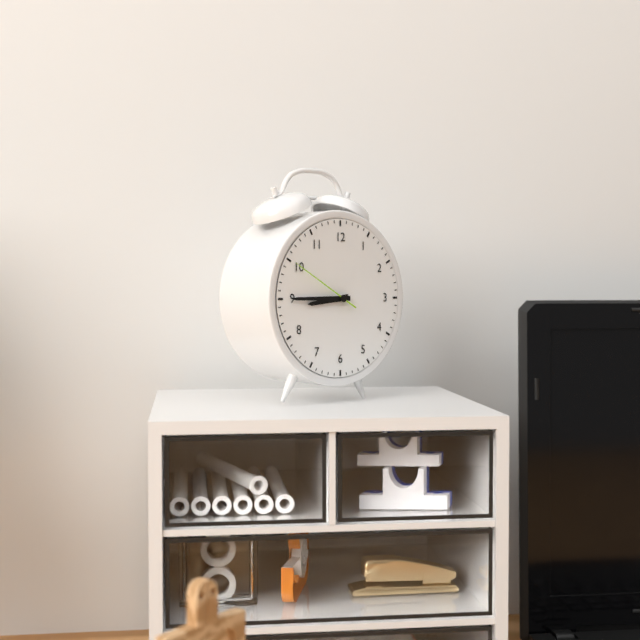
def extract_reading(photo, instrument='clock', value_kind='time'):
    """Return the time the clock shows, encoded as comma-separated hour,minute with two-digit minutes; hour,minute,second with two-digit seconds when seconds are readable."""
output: 8,45,50
